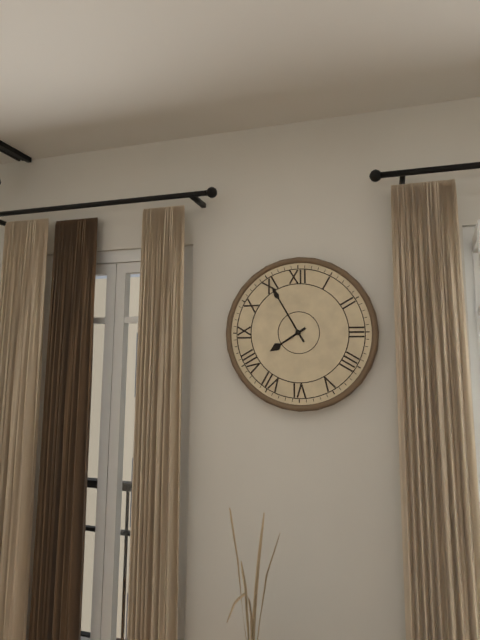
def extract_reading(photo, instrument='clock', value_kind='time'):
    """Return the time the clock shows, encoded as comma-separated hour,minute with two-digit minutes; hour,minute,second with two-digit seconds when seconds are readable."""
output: 7,55
